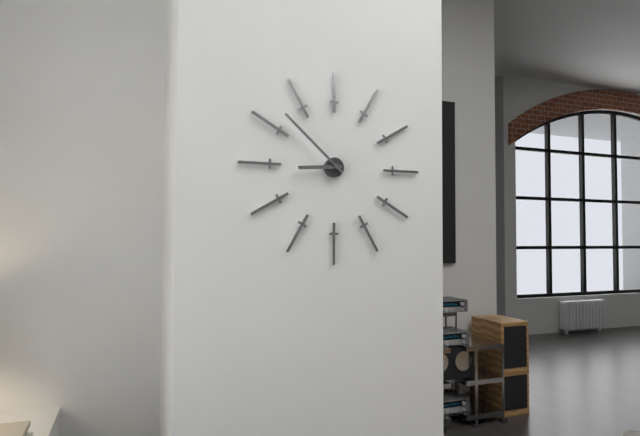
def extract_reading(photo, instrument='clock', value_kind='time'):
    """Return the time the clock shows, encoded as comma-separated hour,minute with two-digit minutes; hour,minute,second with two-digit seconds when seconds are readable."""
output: 8,52
